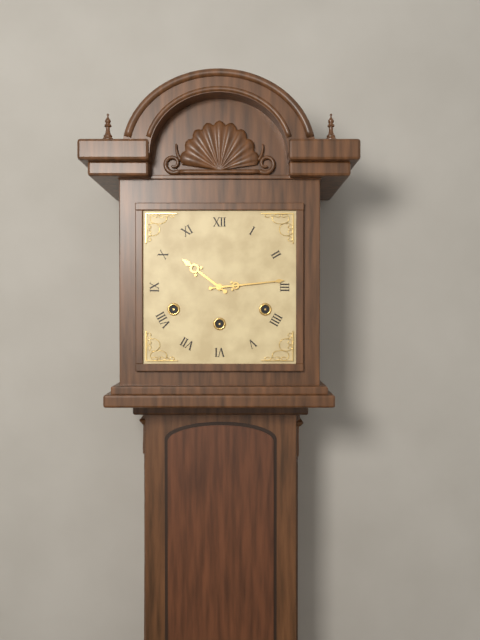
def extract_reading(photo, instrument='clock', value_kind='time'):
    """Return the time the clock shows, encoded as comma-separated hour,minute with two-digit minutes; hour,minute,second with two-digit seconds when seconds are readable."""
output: 10,14
